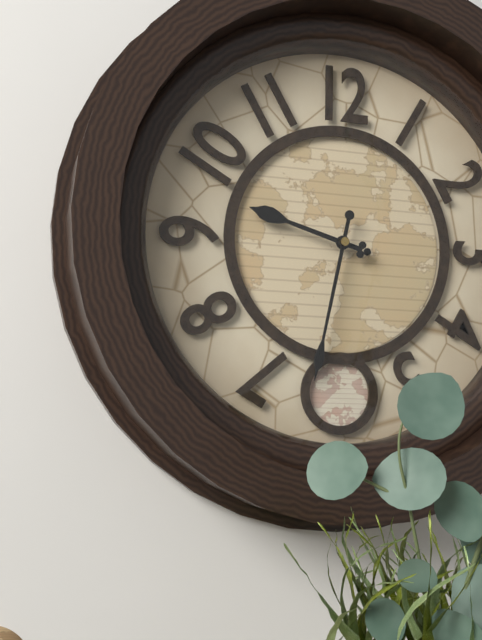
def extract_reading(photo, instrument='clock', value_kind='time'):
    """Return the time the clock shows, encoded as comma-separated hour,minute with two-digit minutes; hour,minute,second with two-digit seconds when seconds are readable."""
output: 9,32
